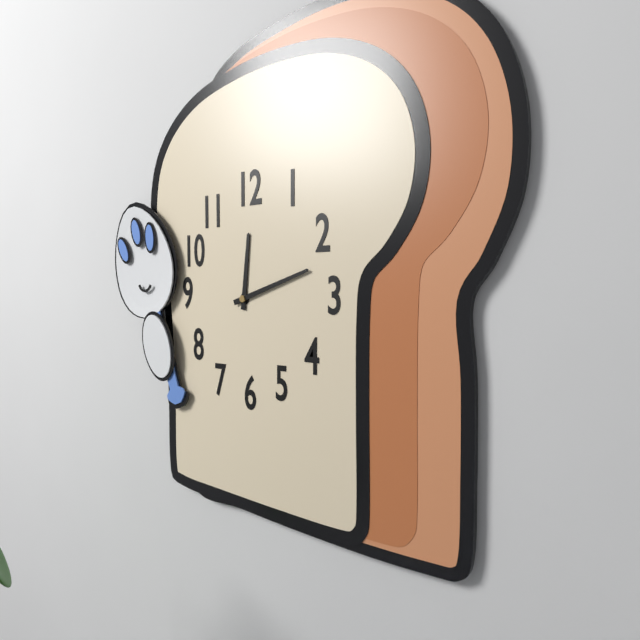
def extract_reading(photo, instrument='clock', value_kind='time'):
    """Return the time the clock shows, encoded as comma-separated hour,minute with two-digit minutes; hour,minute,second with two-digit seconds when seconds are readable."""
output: 12,12
